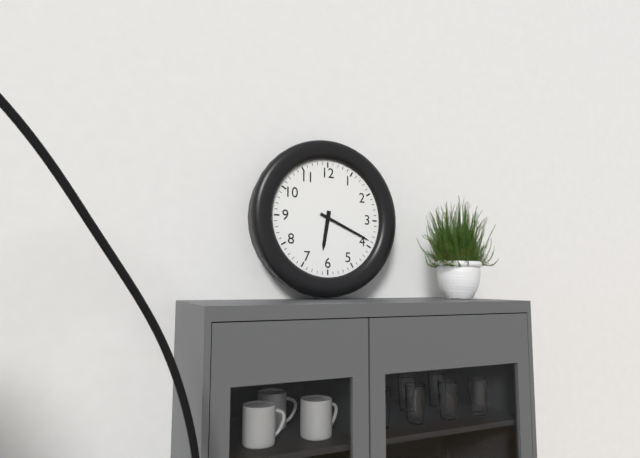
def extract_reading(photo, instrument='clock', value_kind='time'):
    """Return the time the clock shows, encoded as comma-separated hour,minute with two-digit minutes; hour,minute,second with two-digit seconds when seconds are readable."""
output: 6,19
